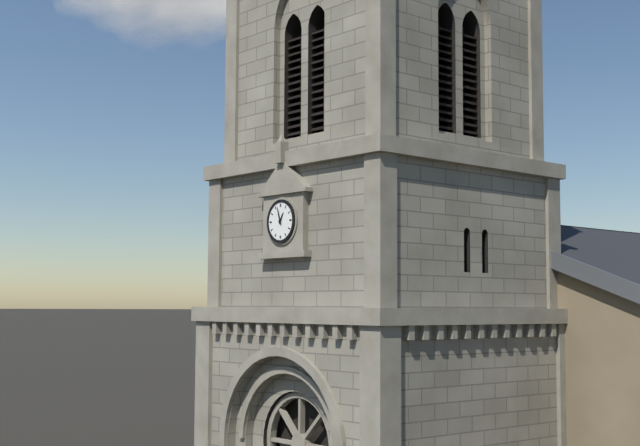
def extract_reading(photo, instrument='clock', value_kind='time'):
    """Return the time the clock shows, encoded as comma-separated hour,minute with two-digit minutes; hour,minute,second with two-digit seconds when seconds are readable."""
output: 12,57
